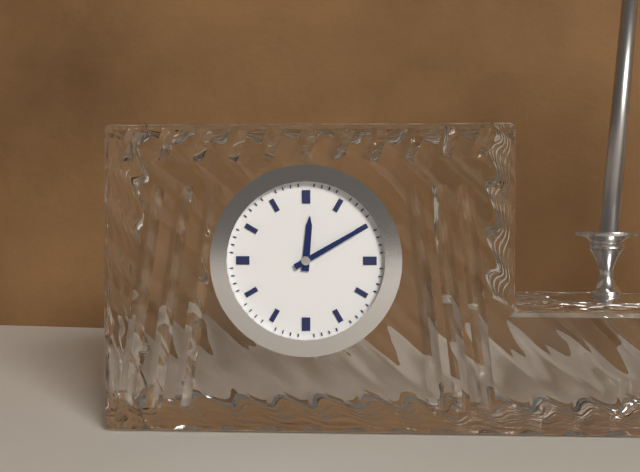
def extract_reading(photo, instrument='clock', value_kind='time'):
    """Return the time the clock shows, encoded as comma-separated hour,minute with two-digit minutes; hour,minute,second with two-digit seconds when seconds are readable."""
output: 12,10
